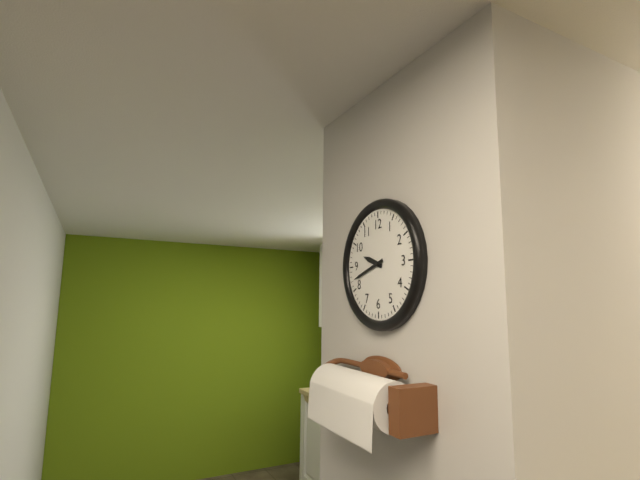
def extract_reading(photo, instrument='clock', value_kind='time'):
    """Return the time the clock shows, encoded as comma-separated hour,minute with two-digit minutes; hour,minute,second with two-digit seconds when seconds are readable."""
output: 9,42
